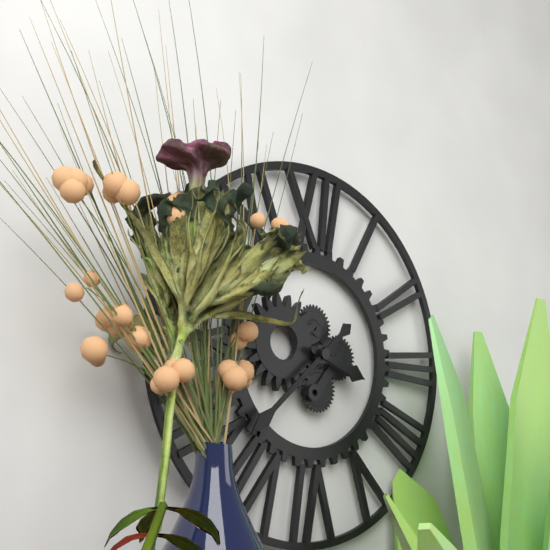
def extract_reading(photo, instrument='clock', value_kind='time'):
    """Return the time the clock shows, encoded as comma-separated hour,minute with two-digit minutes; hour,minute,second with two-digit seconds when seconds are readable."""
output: 3,38
